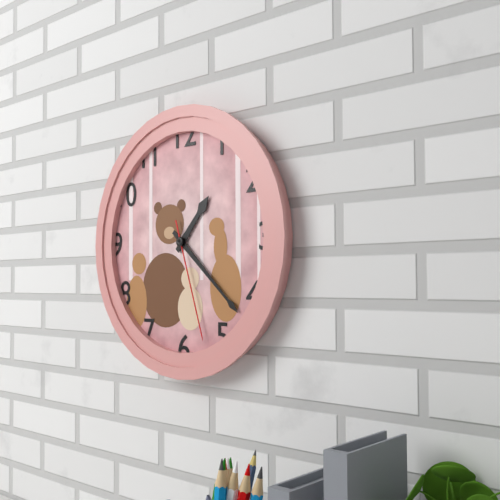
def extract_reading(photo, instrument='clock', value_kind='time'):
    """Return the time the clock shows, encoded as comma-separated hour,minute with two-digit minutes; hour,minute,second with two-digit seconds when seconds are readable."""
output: 1,22,27
